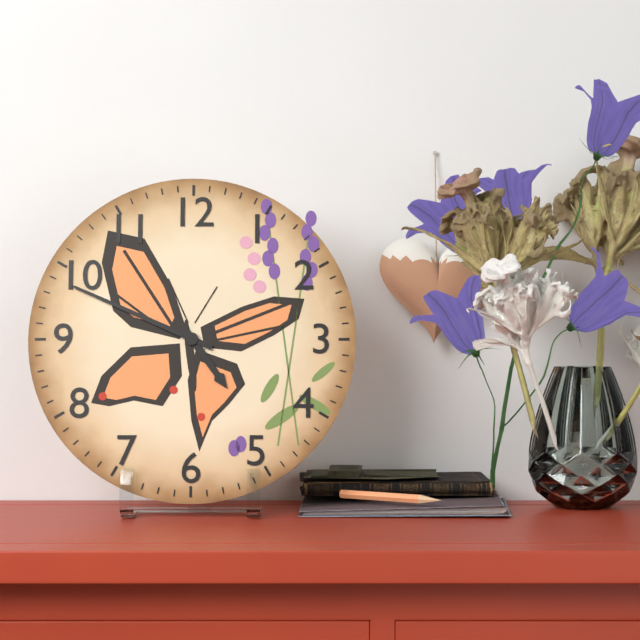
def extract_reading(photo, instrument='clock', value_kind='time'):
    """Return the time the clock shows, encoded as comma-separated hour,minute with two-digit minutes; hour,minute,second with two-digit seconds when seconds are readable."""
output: 4,49
